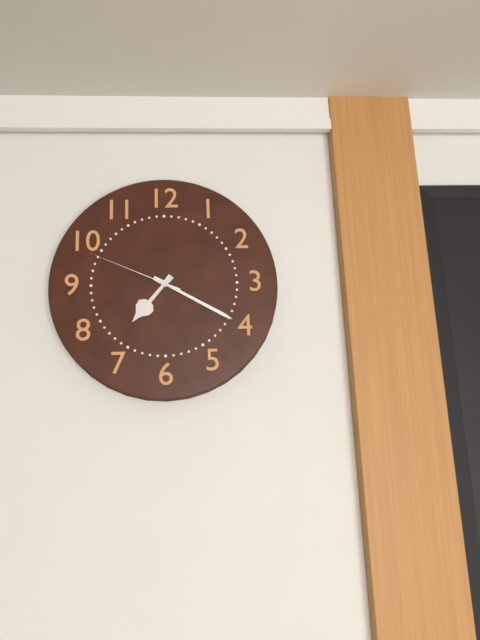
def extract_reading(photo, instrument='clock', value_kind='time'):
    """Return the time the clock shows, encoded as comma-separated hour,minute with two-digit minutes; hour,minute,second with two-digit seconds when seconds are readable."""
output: 7,20,49
